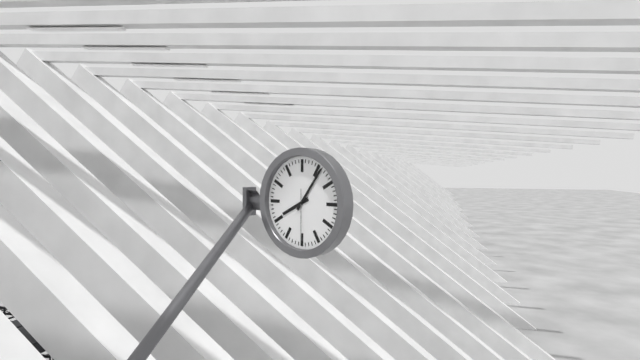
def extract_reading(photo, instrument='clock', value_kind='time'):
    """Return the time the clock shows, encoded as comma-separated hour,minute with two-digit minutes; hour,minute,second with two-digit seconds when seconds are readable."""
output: 8,06
